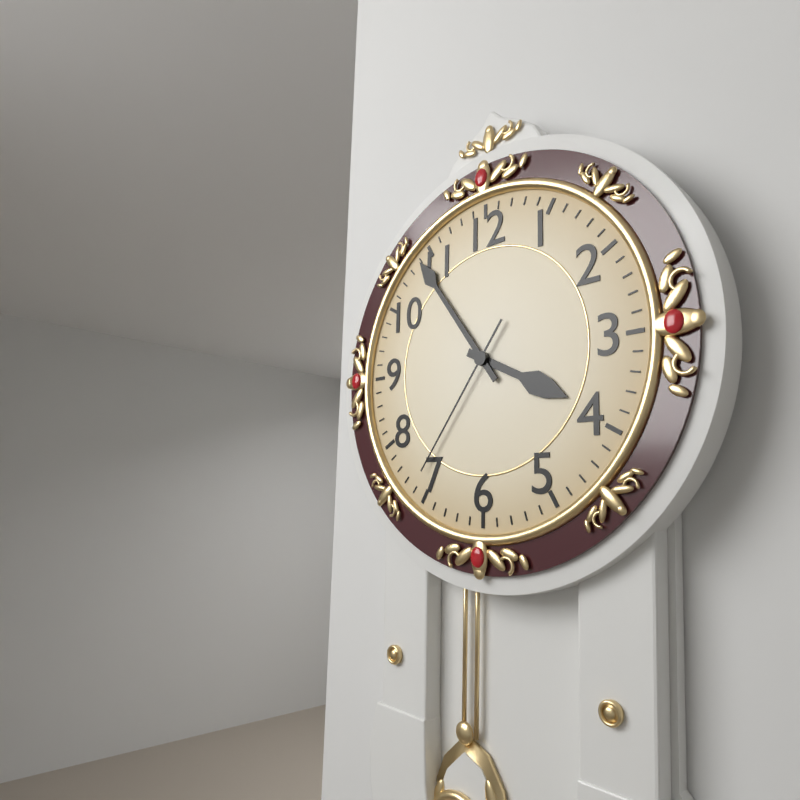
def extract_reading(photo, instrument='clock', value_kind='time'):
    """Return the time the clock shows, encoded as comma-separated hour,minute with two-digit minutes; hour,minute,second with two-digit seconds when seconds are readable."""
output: 3,54,36
